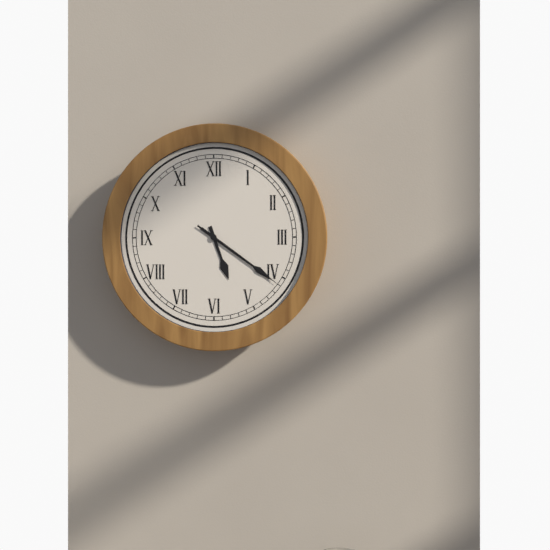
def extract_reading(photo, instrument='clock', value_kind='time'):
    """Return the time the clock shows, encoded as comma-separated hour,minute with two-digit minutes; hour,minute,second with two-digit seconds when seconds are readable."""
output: 5,21,21
